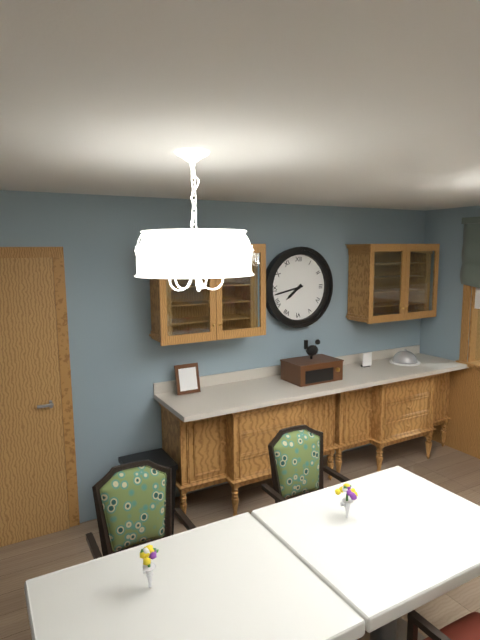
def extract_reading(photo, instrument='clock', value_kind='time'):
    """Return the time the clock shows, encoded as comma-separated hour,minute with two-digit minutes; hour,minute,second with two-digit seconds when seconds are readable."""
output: 7,43
